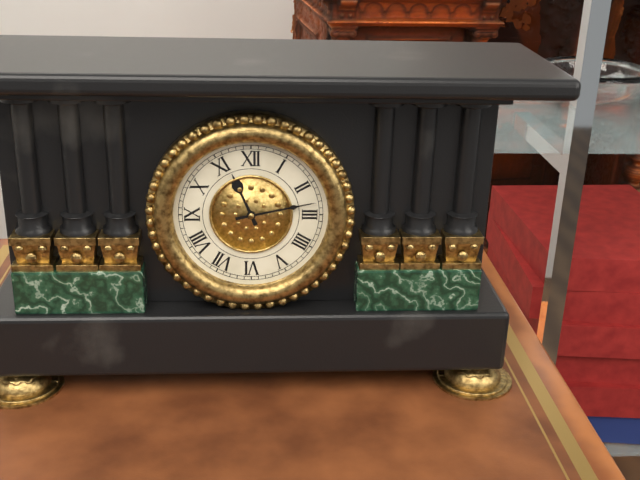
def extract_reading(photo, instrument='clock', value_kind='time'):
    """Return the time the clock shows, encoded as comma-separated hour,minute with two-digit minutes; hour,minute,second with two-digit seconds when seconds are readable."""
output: 11,13
